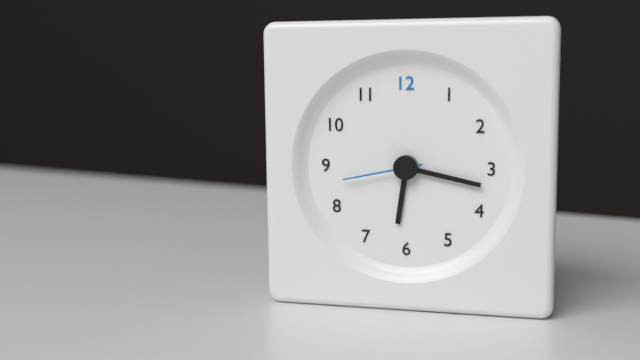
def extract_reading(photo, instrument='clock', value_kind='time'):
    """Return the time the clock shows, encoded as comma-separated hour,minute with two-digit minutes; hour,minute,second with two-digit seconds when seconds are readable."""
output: 6,17,43
